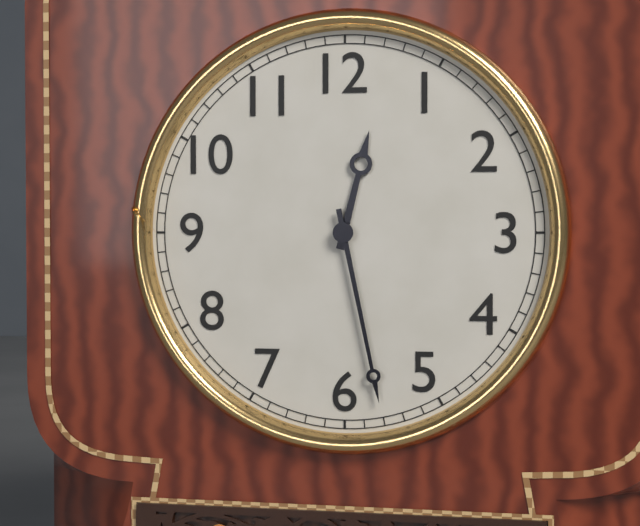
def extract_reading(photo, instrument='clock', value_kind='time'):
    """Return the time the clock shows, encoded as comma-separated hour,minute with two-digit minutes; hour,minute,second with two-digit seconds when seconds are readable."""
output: 12,28
